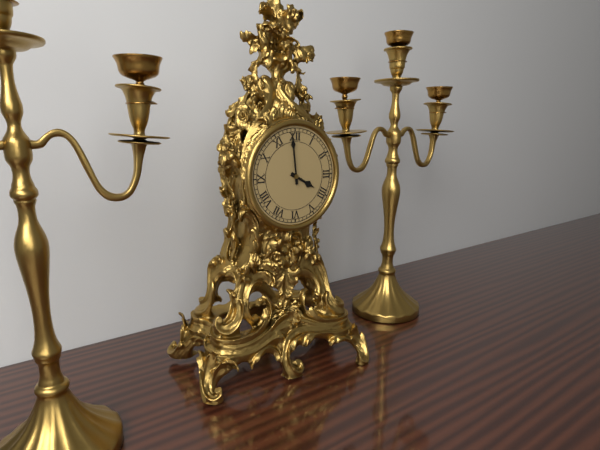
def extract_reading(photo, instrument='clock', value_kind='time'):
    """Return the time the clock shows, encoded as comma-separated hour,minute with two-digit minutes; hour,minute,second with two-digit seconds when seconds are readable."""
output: 3,59
